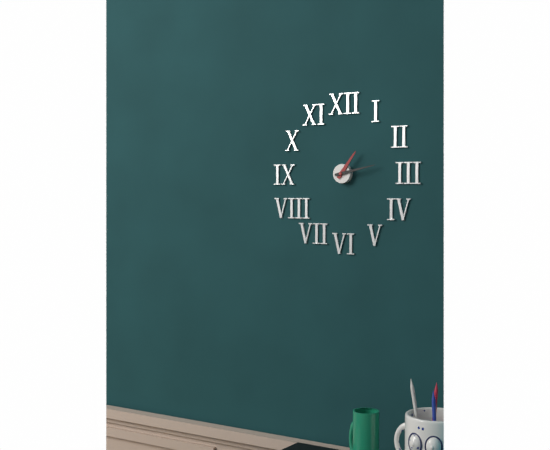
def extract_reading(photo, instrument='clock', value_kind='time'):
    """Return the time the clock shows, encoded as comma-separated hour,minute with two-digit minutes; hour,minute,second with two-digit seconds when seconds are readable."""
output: 1,13
